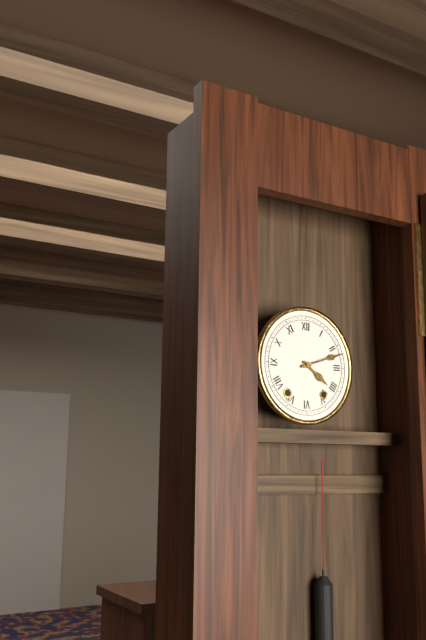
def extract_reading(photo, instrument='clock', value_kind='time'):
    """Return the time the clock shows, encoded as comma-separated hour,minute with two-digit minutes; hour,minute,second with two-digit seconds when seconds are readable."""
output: 4,12
